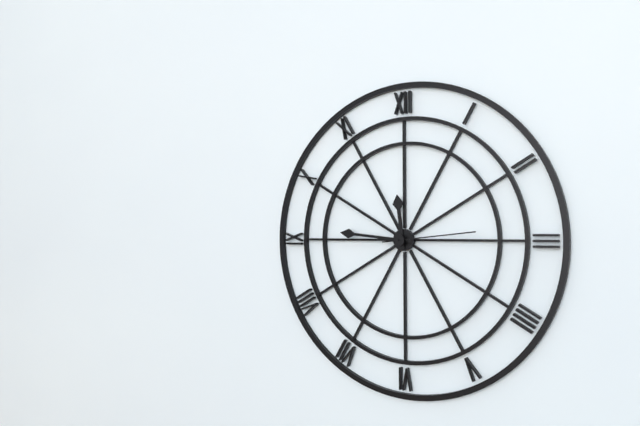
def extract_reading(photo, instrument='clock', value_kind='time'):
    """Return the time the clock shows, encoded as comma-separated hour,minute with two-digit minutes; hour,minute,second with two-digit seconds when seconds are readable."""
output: 11,46,14
